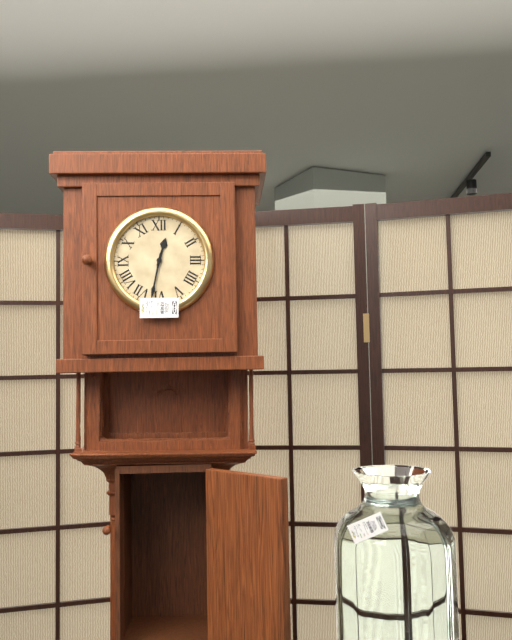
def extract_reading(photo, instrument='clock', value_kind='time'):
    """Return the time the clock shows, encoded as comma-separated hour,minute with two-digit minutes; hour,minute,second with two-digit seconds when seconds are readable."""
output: 12,32
